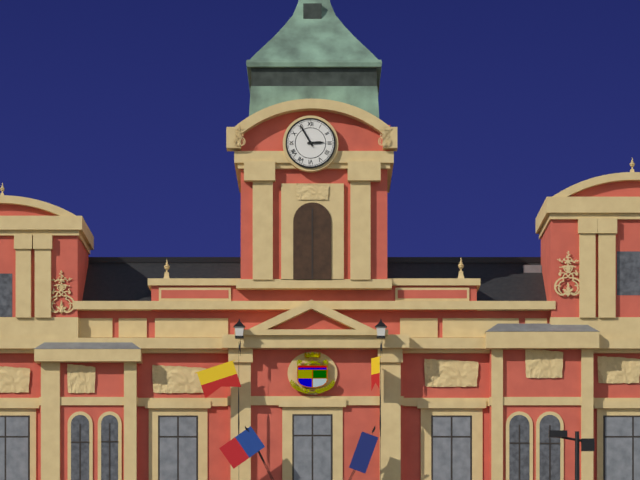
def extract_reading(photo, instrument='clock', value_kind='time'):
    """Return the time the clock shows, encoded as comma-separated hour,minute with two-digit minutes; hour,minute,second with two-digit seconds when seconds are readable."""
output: 2,55
